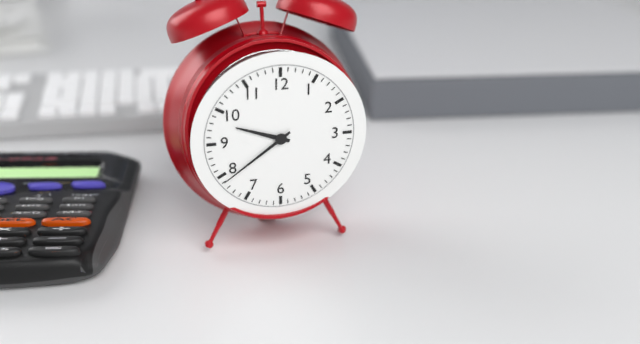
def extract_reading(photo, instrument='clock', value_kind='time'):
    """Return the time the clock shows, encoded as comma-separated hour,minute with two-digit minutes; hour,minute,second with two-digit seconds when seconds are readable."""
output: 9,39
